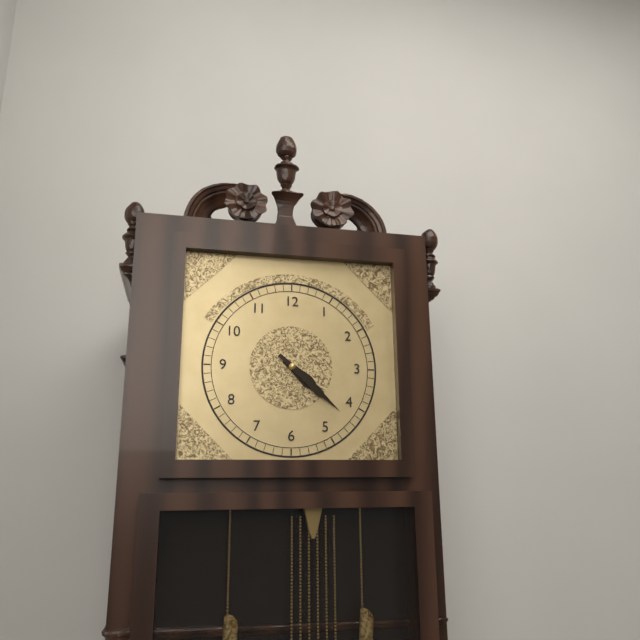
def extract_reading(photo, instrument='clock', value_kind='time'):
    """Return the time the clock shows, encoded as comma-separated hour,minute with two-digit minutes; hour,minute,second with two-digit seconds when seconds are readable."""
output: 4,22
